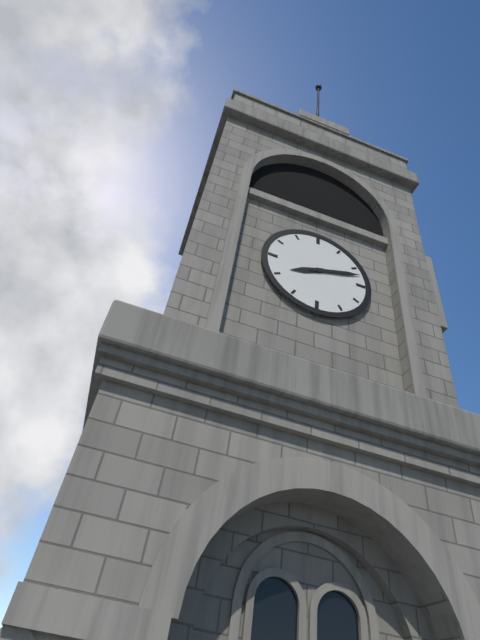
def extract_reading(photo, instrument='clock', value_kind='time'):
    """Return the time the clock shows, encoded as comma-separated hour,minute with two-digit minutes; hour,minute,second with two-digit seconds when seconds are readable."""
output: 8,12
